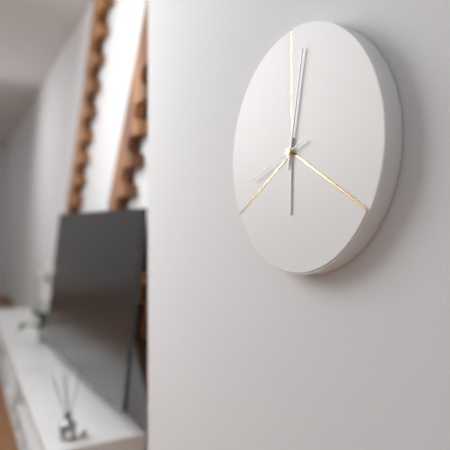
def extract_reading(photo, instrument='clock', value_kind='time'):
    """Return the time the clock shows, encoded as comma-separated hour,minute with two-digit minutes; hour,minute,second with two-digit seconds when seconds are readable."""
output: 6,02,42
